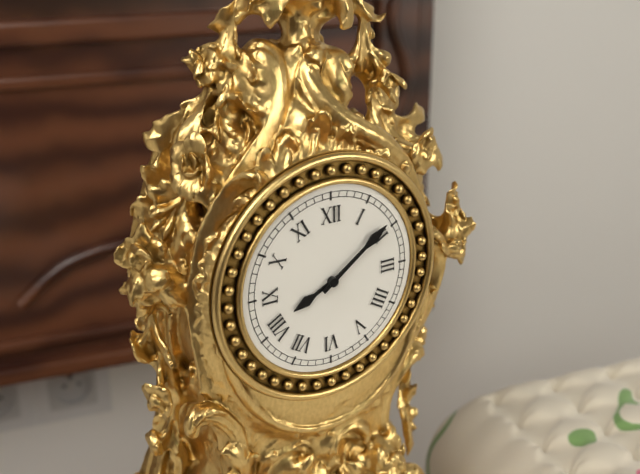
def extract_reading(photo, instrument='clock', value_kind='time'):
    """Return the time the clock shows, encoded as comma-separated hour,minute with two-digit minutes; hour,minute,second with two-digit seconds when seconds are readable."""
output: 8,09
